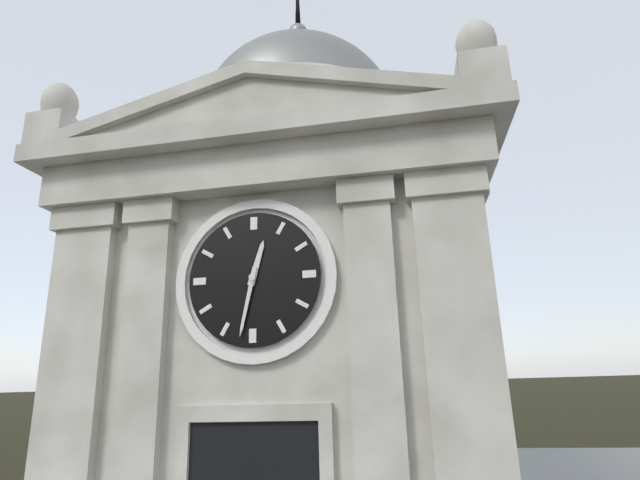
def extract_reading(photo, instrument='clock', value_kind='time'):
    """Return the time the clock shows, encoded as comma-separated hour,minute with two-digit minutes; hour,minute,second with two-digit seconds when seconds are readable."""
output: 12,32
